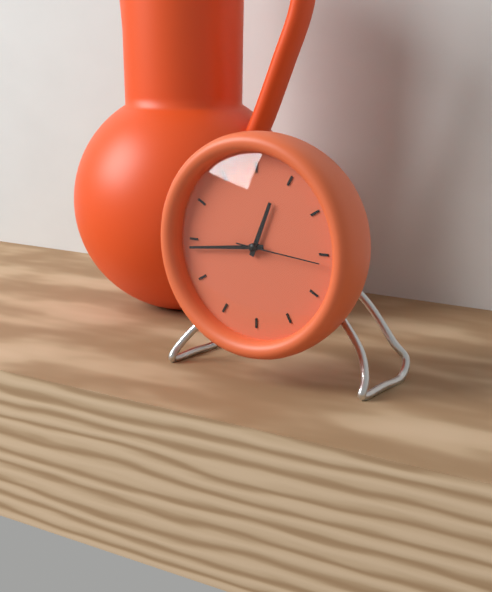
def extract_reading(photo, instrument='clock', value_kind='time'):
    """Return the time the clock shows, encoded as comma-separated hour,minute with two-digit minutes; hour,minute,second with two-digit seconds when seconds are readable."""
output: 12,44,16
